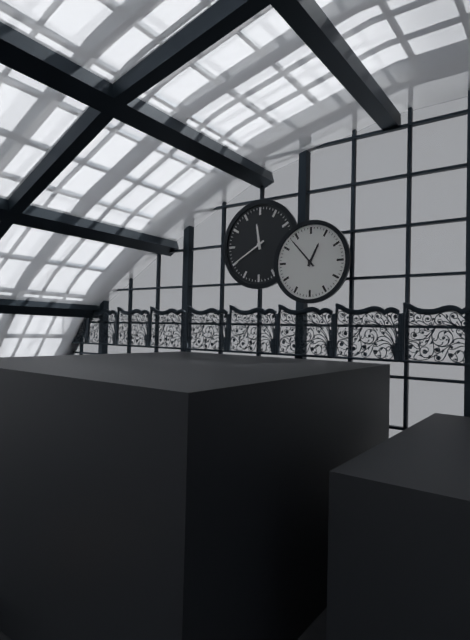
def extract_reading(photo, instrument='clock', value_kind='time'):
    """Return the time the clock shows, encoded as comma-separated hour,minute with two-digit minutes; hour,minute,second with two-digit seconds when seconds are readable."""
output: 12,53
